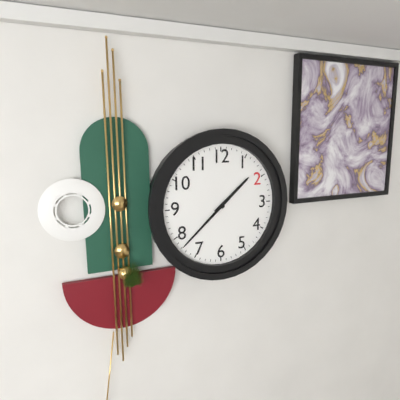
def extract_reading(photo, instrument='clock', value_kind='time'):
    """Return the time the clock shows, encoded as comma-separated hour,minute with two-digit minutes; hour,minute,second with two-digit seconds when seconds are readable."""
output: 1,38
